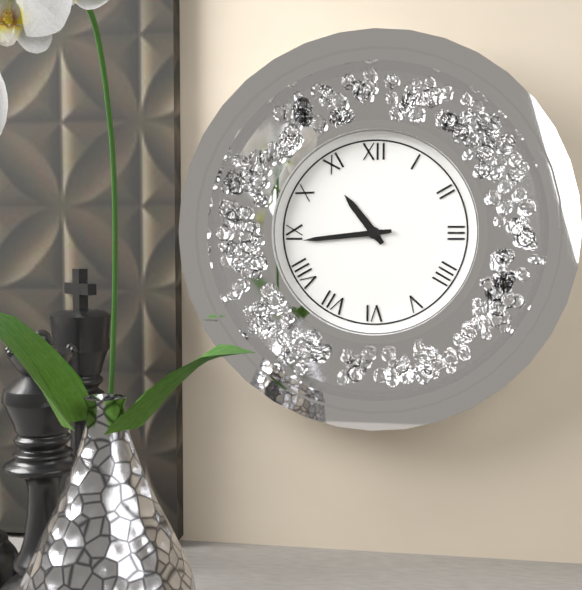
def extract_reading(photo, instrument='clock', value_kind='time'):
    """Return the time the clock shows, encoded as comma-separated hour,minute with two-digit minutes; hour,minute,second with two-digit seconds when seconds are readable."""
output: 10,44
